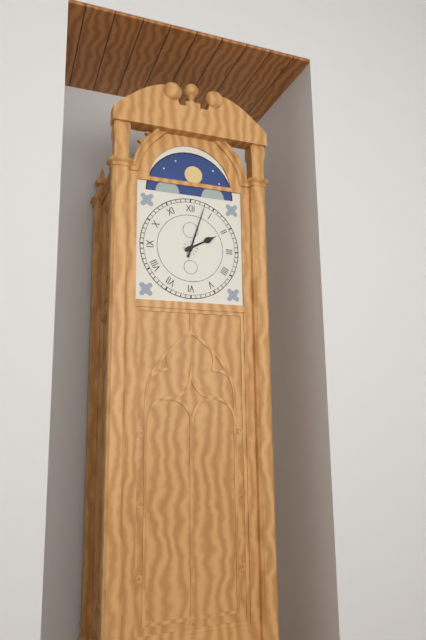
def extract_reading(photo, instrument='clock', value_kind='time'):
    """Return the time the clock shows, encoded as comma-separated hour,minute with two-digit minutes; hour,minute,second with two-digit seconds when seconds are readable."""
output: 2,03
